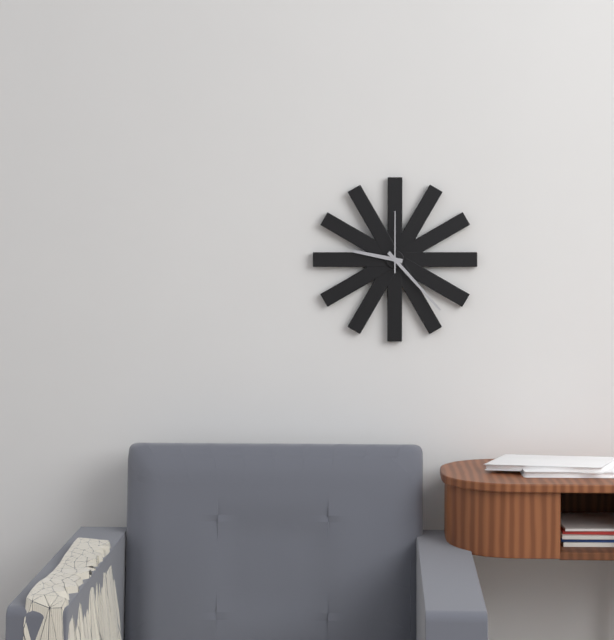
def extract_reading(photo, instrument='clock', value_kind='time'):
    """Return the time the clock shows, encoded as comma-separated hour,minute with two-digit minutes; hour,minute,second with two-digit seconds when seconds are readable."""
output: 9,23,00
